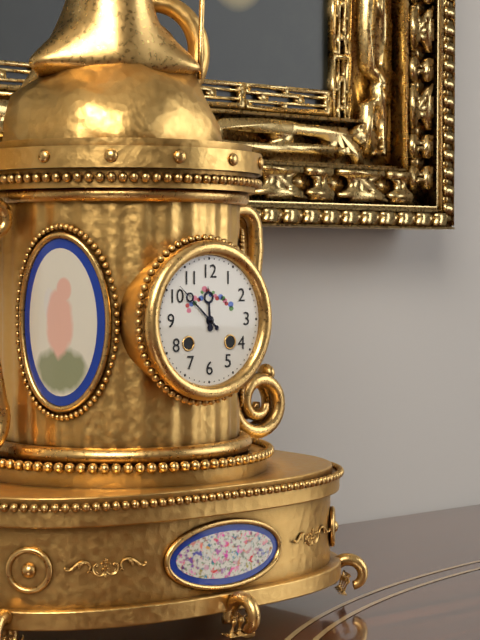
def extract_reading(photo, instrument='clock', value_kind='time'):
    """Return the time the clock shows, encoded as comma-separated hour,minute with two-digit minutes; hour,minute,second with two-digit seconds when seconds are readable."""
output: 11,52
